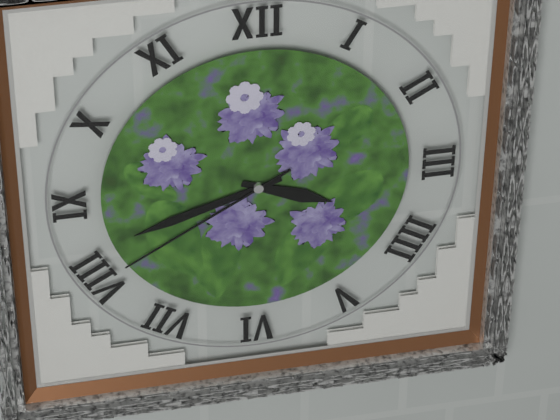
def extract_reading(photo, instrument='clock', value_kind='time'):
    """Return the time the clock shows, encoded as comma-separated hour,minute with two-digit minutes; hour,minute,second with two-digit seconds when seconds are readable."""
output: 3,42,40
